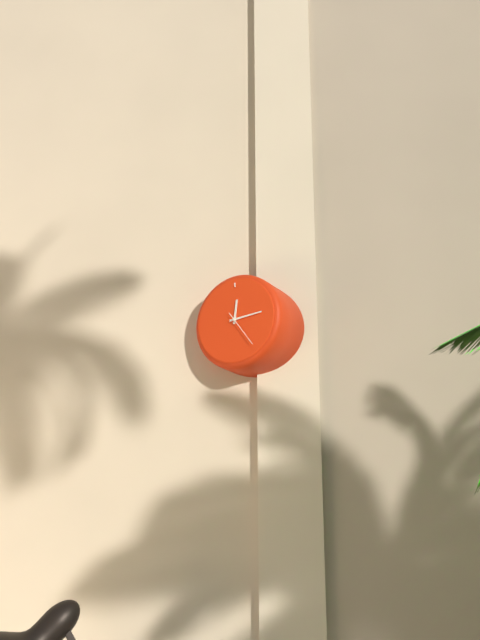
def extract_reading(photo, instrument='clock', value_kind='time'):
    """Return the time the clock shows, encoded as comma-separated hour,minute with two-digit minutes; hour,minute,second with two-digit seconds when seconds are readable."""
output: 12,14
